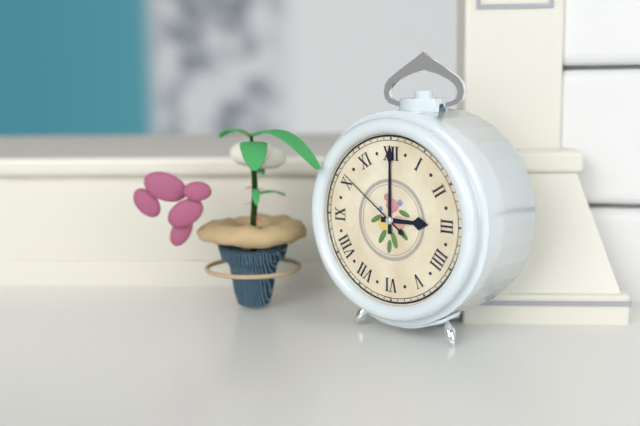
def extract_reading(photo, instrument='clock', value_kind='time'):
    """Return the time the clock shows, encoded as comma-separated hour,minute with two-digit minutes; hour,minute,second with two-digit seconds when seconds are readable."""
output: 3,00,51
